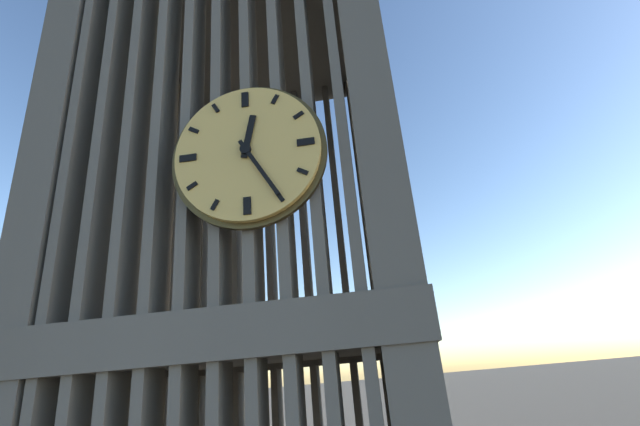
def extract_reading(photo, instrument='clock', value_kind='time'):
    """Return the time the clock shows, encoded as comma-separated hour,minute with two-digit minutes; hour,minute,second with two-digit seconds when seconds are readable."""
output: 12,25
